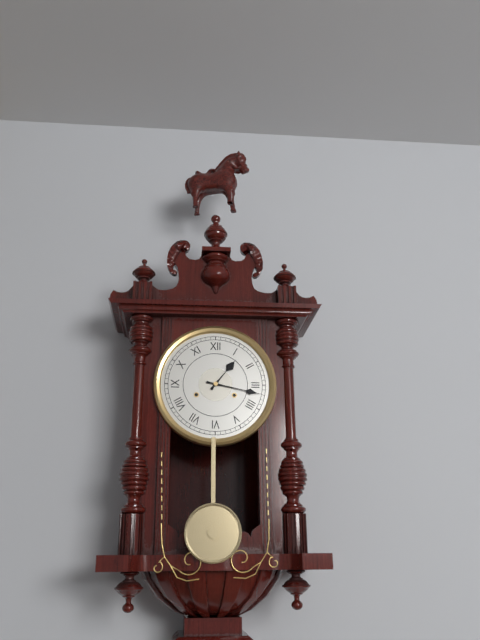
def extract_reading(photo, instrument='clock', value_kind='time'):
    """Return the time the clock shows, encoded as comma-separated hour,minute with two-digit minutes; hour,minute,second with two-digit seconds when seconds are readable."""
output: 1,17
